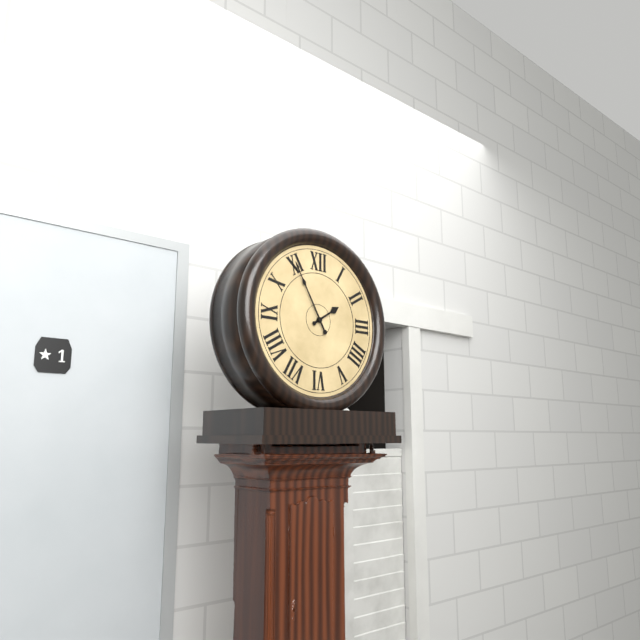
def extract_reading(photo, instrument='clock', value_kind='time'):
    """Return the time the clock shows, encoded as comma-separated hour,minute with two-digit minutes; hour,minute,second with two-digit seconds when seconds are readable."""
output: 1,55
